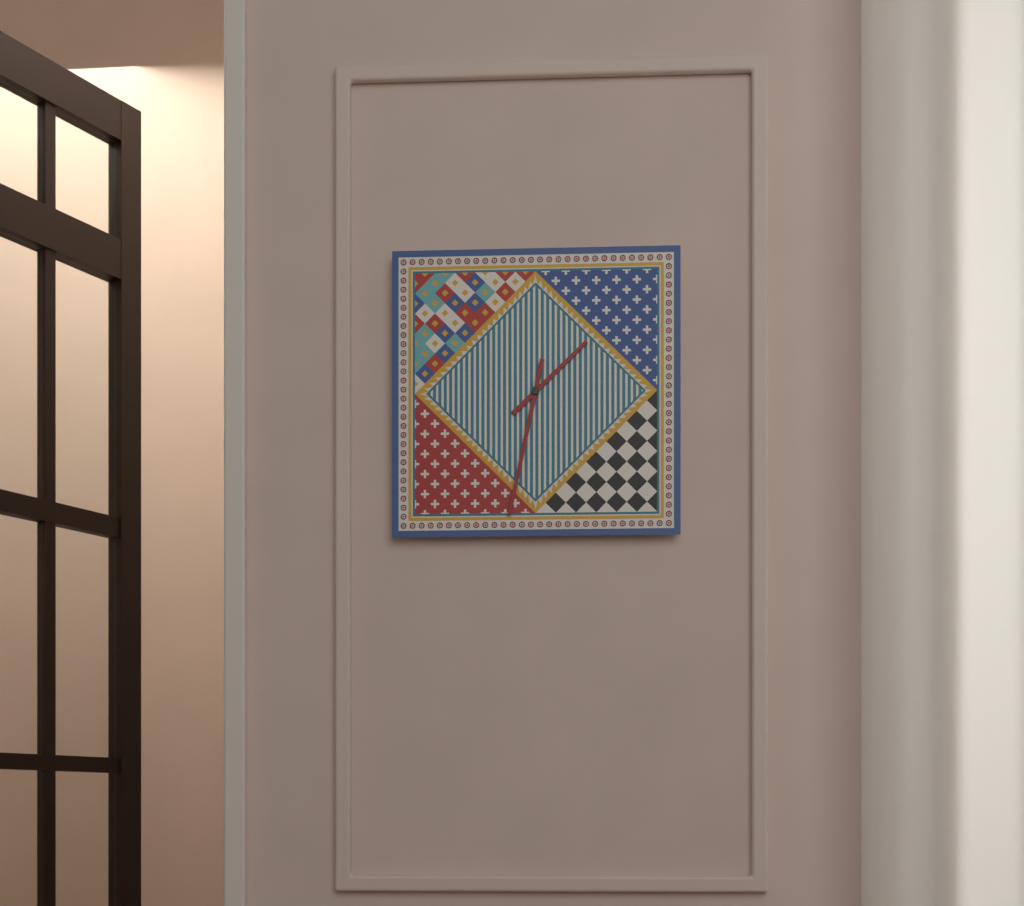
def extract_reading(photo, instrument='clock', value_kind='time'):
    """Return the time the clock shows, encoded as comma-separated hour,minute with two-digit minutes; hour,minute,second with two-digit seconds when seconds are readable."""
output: 1,32
